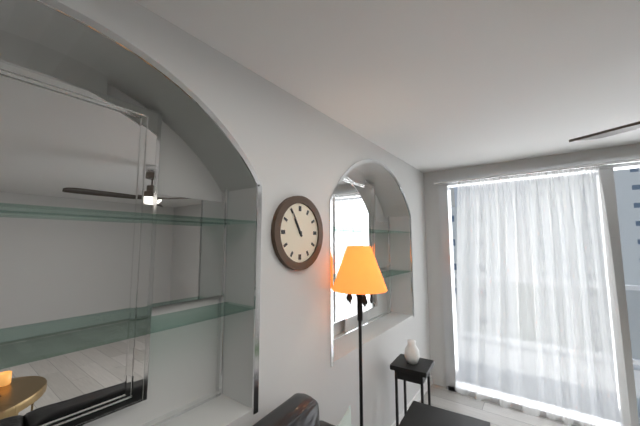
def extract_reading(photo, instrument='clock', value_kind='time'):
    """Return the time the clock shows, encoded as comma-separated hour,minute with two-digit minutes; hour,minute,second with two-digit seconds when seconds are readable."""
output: 10,55
